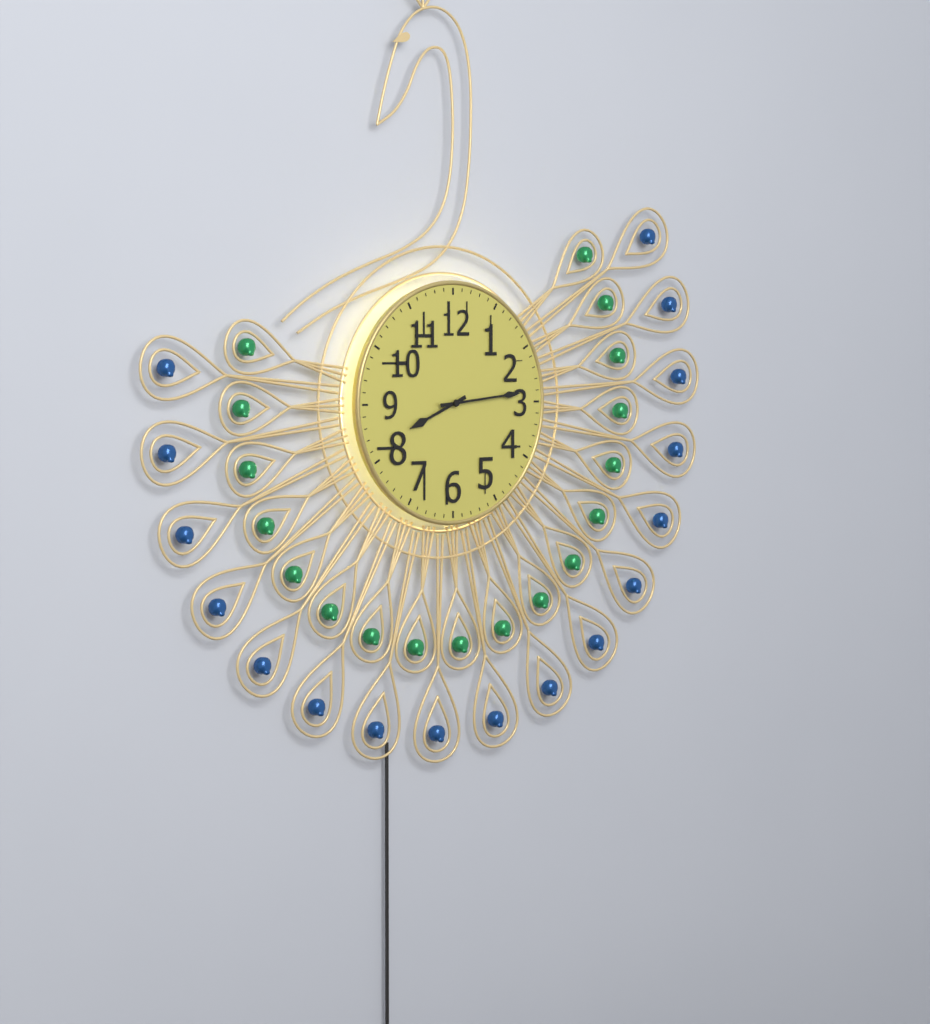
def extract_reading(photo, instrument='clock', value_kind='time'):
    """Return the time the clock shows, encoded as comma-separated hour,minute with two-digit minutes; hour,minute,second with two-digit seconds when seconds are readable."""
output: 8,14
